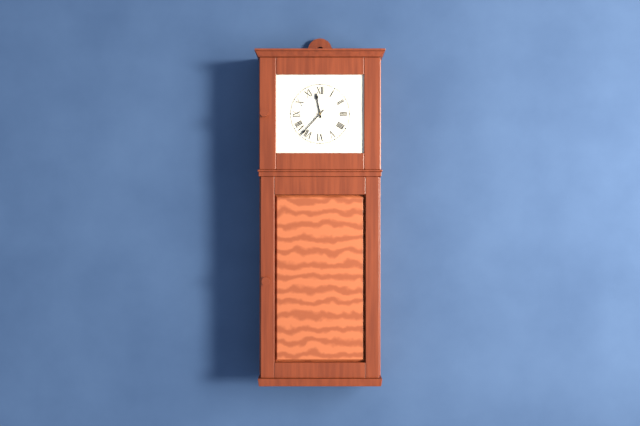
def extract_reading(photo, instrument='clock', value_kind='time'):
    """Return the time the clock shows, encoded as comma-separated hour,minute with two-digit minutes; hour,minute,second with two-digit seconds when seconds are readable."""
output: 11,37
